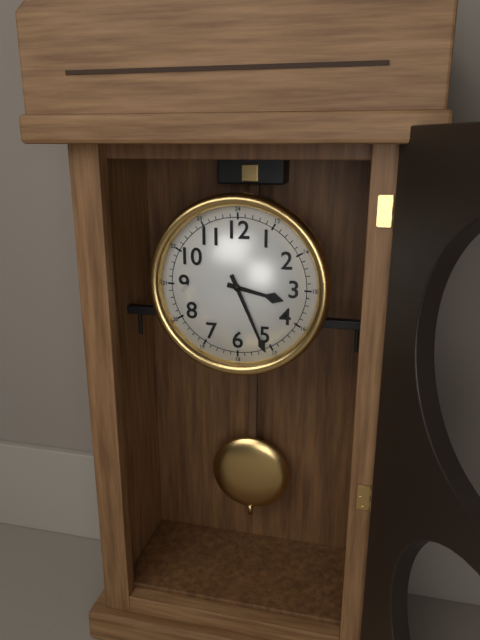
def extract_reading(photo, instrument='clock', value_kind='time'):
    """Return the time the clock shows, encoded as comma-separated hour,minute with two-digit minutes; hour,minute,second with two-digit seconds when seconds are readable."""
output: 3,26
